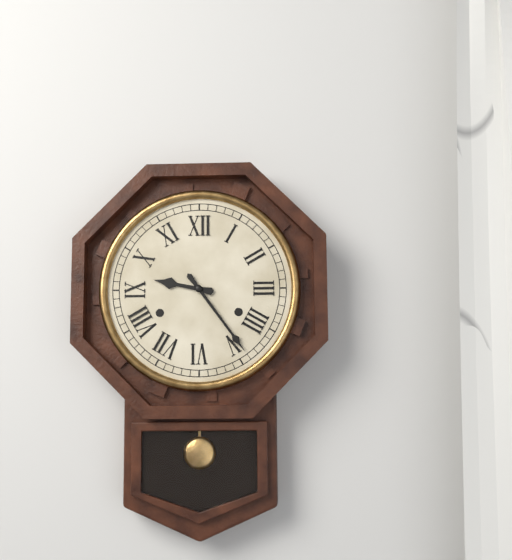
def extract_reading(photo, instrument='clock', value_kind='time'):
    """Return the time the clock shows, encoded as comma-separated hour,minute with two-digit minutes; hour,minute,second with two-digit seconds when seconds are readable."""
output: 9,24
